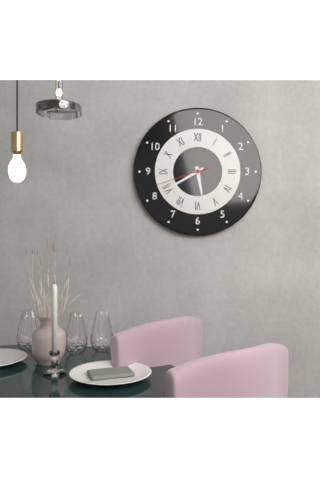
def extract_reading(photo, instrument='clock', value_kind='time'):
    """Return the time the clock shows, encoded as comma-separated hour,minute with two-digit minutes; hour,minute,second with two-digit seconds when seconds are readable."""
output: 5,40,42
